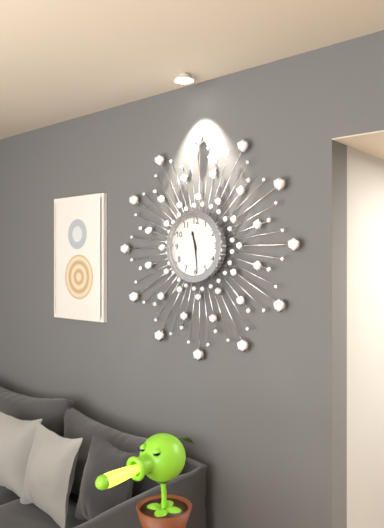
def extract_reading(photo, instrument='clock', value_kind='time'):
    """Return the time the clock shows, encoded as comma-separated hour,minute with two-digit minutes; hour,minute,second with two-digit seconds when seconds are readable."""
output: 11,29
